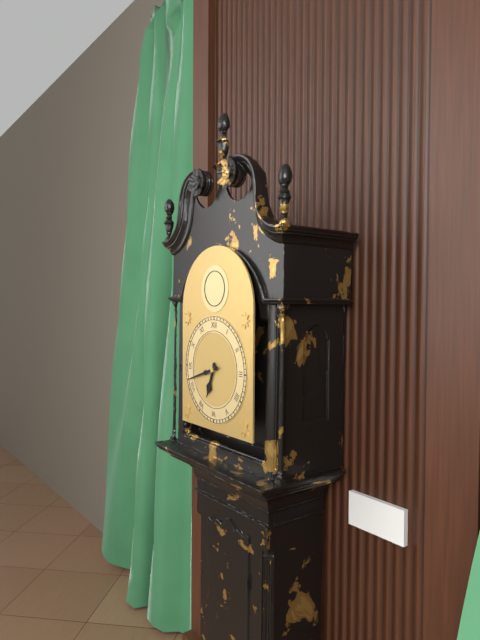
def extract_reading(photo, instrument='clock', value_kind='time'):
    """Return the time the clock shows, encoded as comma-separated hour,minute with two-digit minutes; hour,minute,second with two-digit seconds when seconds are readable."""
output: 6,42
